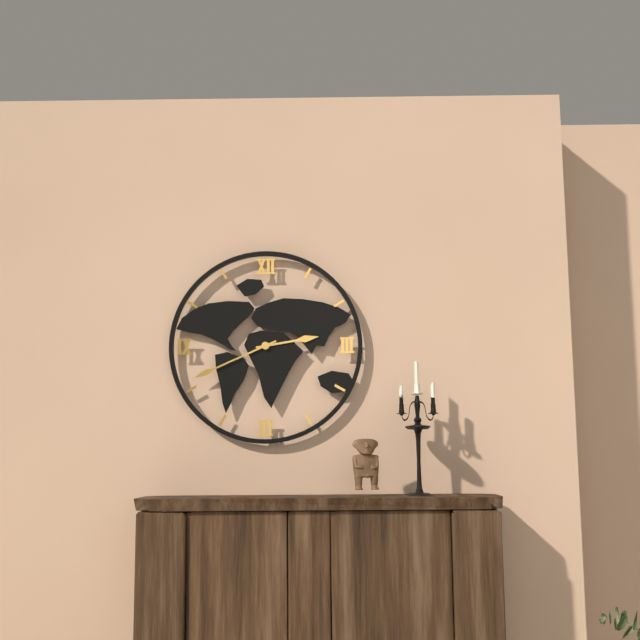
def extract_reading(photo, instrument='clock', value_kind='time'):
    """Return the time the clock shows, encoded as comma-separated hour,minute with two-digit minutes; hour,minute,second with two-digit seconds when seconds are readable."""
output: 2,41
